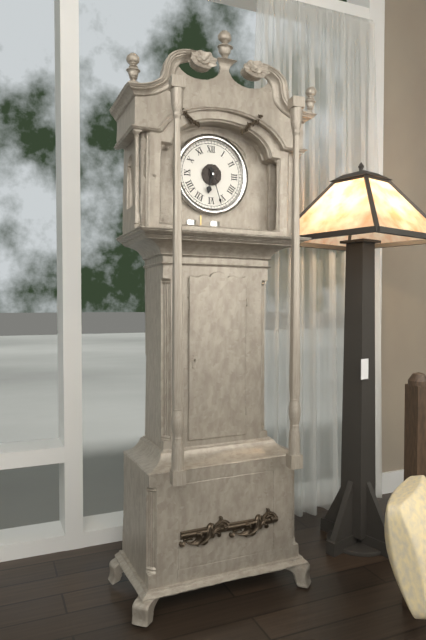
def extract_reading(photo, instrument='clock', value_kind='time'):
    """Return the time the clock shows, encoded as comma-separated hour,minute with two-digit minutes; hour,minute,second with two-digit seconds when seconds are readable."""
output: 6,27
